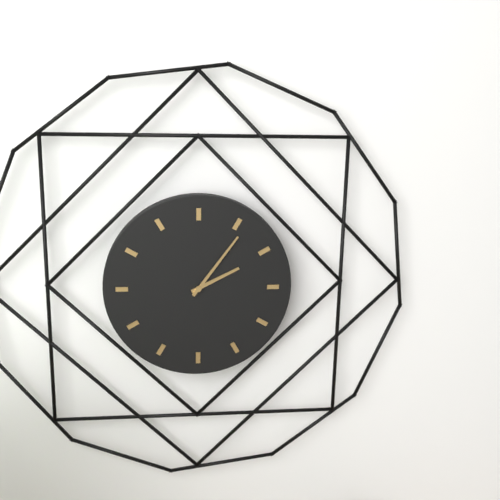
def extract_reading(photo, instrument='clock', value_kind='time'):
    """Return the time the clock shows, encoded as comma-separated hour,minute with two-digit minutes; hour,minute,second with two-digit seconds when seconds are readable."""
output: 2,06
